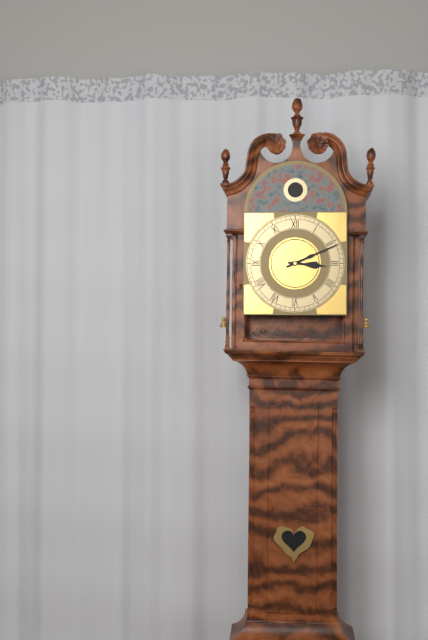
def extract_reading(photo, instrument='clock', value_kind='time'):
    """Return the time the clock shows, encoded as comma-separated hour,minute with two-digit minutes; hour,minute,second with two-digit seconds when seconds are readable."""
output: 3,11
